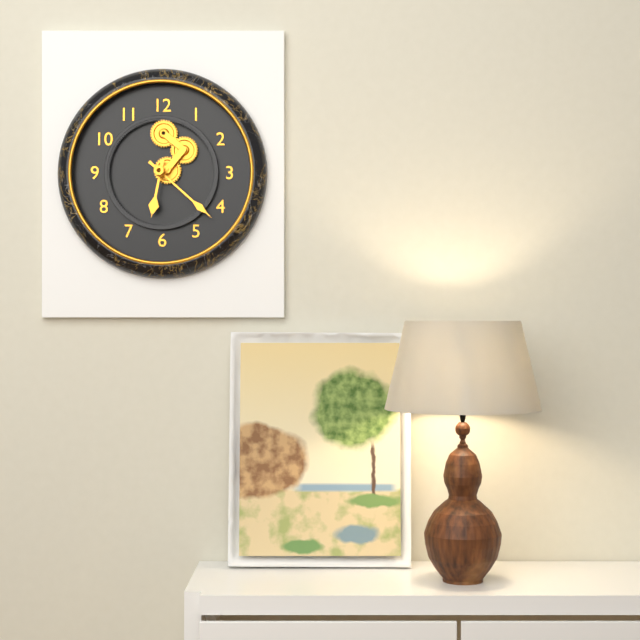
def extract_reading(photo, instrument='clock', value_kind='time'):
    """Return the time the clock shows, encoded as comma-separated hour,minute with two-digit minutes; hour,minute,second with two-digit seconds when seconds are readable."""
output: 6,22
